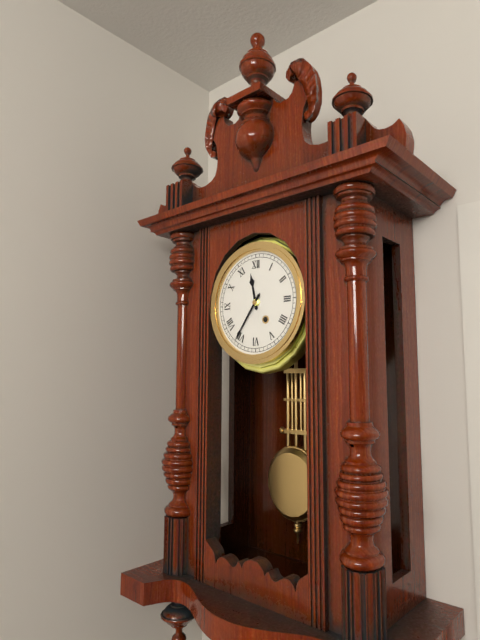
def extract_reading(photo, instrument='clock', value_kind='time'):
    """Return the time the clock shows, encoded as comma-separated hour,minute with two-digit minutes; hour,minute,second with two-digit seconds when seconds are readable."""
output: 11,36
